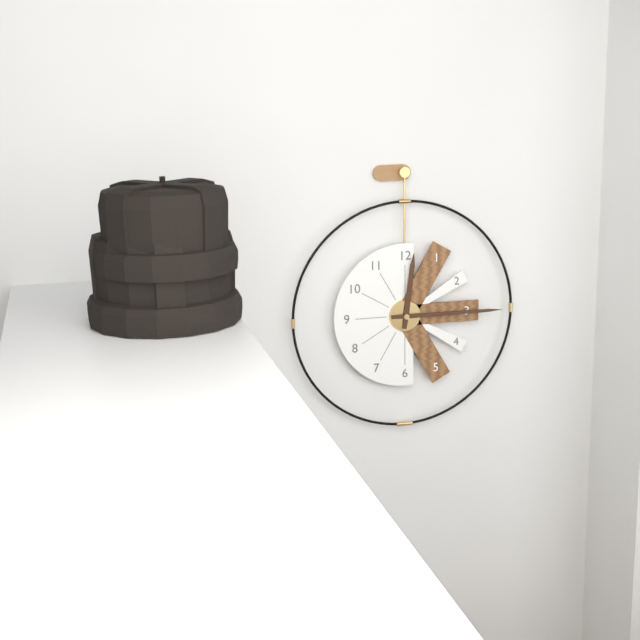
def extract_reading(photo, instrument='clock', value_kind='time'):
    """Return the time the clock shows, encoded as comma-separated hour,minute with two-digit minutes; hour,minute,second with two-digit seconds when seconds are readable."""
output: 12,15
